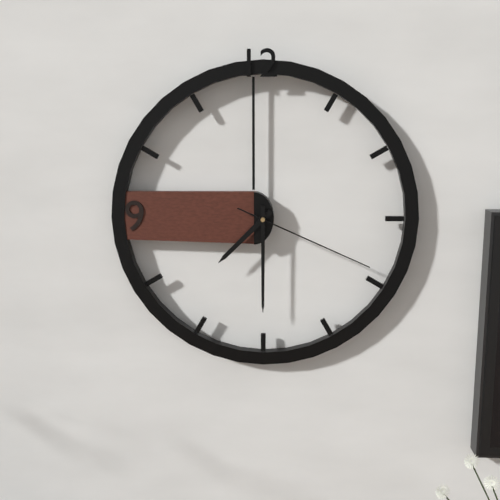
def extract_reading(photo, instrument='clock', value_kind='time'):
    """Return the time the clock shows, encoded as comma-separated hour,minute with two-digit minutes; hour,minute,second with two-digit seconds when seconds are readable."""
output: 7,30,19
